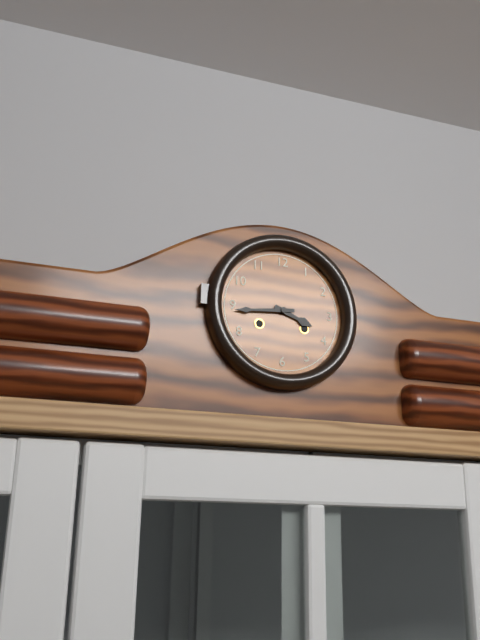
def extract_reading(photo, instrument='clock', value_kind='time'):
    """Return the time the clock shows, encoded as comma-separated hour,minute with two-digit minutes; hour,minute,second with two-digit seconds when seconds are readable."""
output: 3,44
